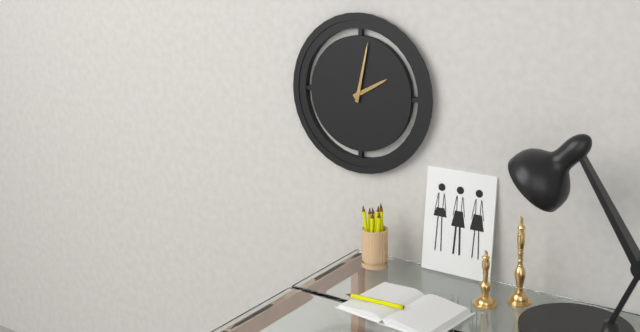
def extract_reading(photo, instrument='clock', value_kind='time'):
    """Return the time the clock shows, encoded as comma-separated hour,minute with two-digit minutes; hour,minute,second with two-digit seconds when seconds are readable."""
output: 2,02
